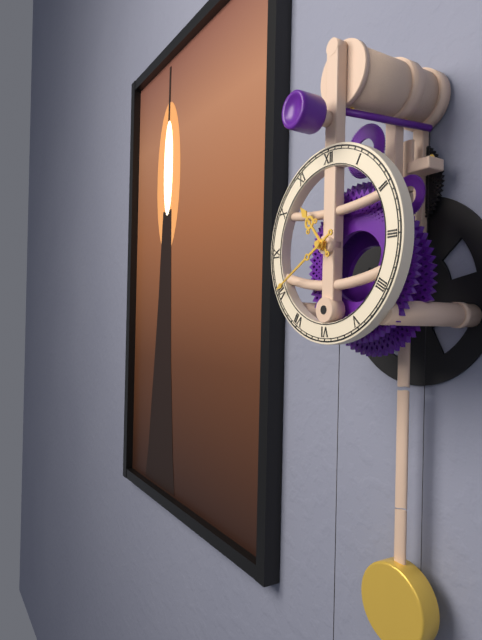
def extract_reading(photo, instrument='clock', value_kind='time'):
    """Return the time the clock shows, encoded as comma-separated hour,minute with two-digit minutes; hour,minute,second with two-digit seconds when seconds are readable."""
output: 10,40
